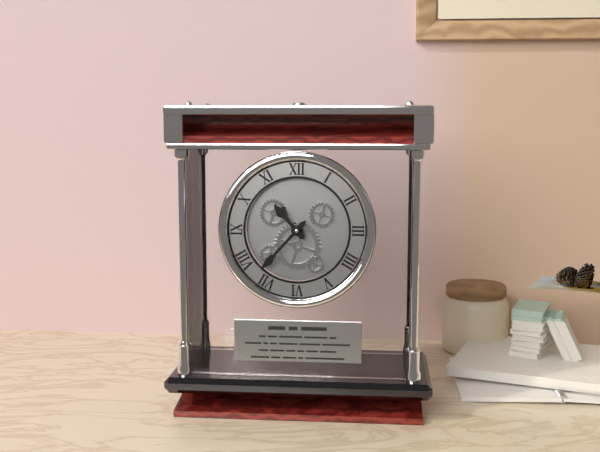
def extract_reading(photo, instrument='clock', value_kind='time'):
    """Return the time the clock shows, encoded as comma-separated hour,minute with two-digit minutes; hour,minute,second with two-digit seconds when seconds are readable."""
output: 10,37
